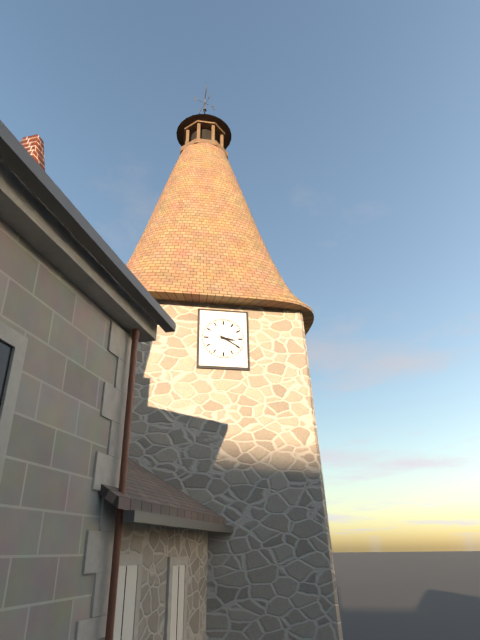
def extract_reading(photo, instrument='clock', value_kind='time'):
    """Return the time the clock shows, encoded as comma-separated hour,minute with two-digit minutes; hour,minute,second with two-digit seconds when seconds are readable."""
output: 3,20
